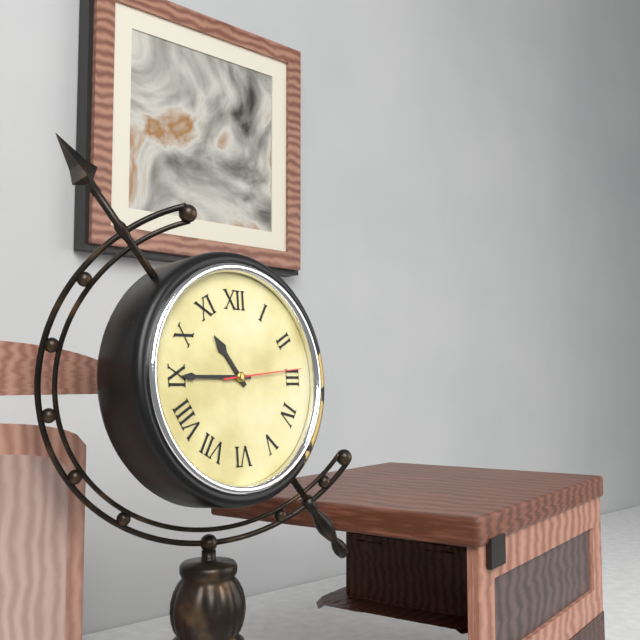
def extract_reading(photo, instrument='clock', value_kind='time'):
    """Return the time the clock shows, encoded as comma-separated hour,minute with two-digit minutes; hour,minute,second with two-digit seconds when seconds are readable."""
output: 10,45,14
